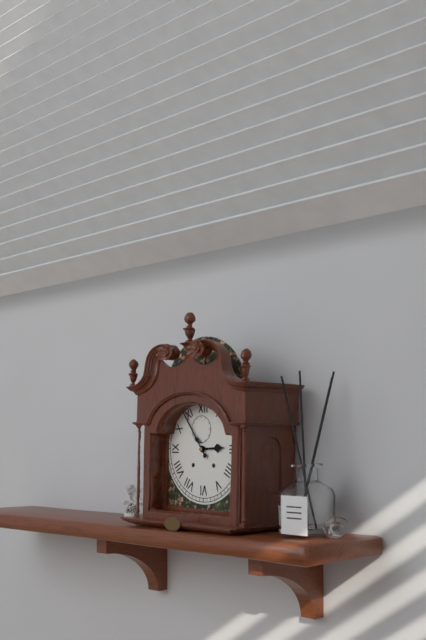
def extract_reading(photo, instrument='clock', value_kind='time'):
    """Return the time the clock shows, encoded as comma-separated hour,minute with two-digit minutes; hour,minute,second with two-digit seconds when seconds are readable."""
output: 2,54
